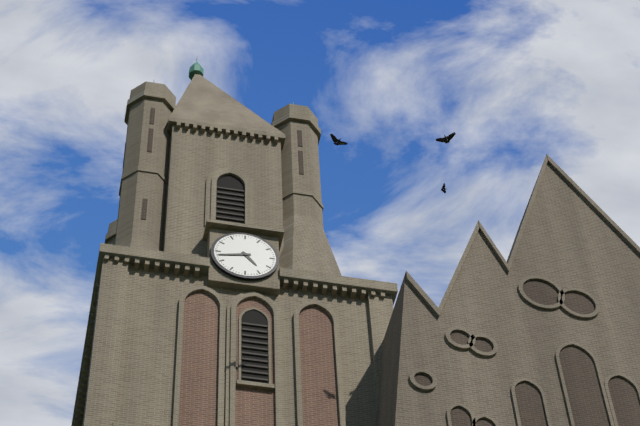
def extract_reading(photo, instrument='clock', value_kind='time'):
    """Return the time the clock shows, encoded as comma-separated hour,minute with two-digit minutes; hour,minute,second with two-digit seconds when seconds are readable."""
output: 4,43
